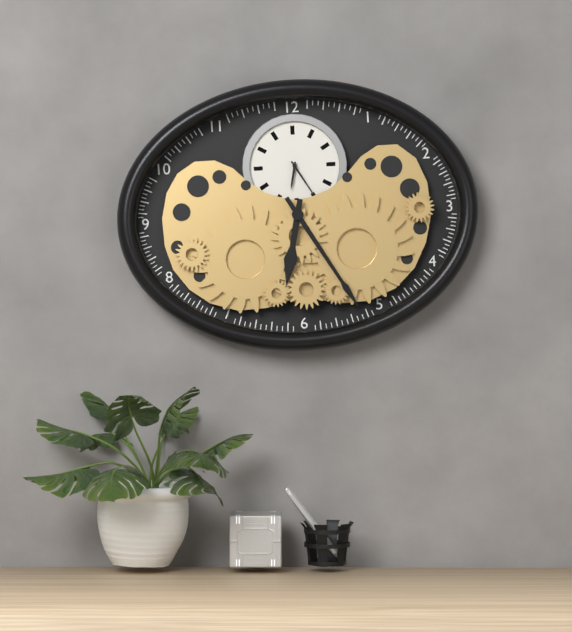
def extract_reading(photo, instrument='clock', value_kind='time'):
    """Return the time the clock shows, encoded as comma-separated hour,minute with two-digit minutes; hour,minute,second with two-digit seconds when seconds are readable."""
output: 6,25
